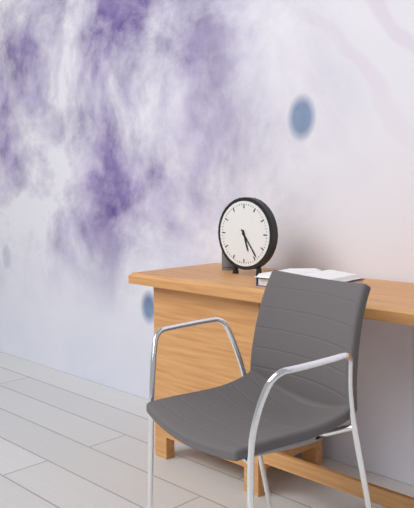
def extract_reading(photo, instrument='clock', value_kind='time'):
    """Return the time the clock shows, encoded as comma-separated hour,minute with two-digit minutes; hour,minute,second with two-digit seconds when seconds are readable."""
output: 5,24
